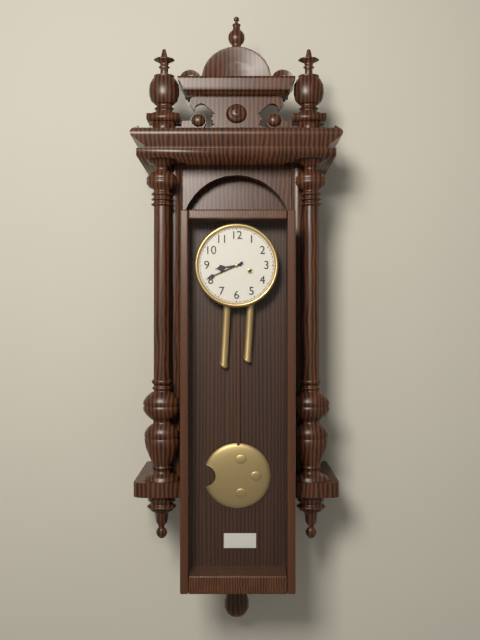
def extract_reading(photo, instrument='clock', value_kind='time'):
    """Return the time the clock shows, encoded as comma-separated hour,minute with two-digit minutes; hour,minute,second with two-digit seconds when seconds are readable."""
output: 8,41
